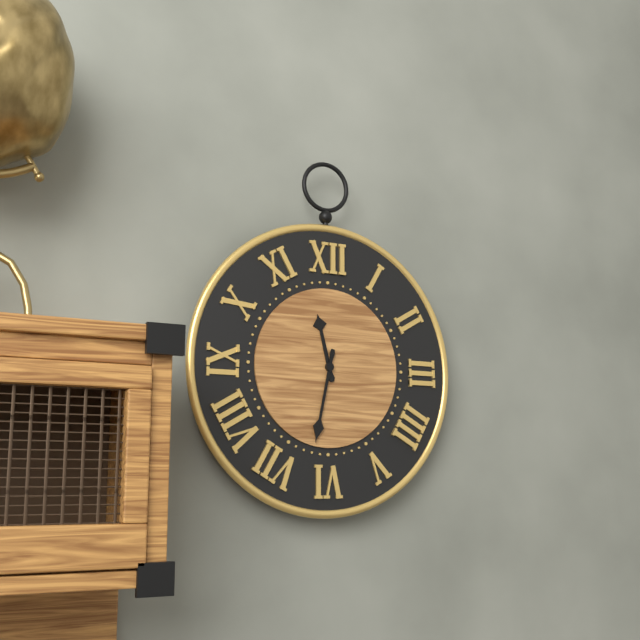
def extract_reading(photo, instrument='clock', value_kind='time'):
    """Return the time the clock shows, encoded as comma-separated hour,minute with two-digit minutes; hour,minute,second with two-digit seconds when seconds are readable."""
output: 11,32
